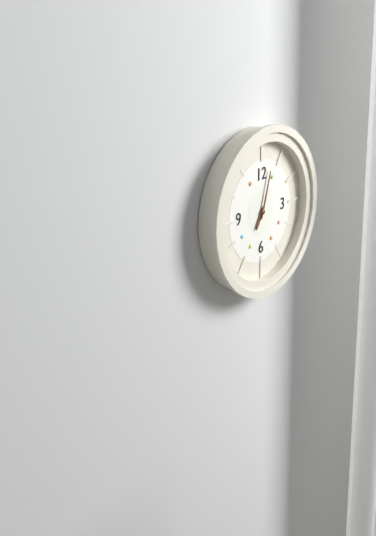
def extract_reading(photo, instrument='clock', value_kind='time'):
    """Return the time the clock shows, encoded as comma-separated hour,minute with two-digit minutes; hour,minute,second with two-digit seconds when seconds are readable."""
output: 7,03
